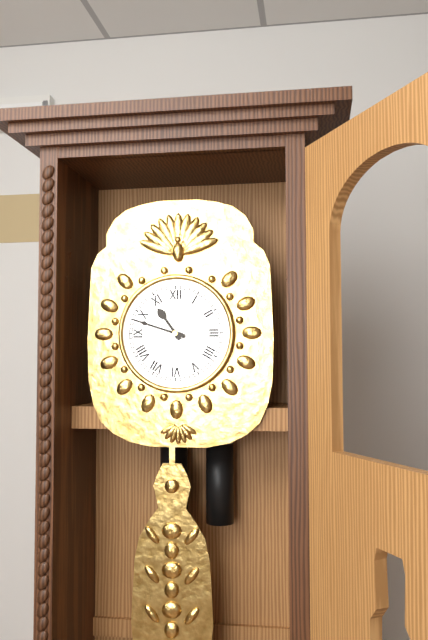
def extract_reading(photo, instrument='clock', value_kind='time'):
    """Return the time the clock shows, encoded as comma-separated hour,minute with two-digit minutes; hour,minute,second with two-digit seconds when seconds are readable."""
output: 10,48
